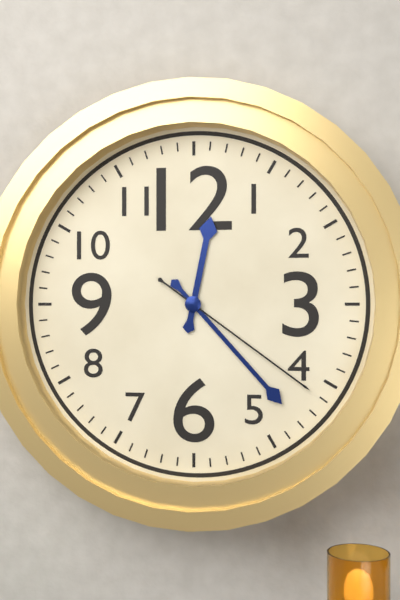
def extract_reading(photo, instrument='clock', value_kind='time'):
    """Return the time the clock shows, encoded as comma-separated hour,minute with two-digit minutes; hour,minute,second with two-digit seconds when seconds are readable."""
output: 12,23,21
